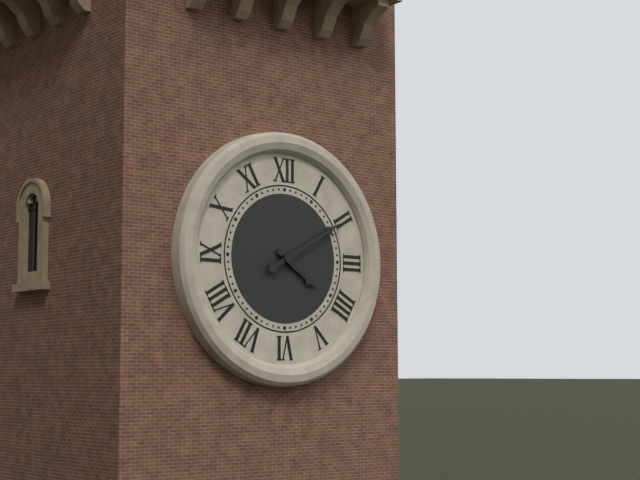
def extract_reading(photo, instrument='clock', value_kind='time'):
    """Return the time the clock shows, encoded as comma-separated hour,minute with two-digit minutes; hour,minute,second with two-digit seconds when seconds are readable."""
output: 4,10
